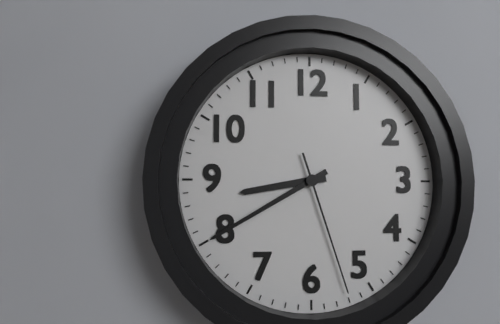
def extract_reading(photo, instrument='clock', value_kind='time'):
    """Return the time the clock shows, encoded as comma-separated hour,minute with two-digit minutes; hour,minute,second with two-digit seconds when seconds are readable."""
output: 8,40,27
